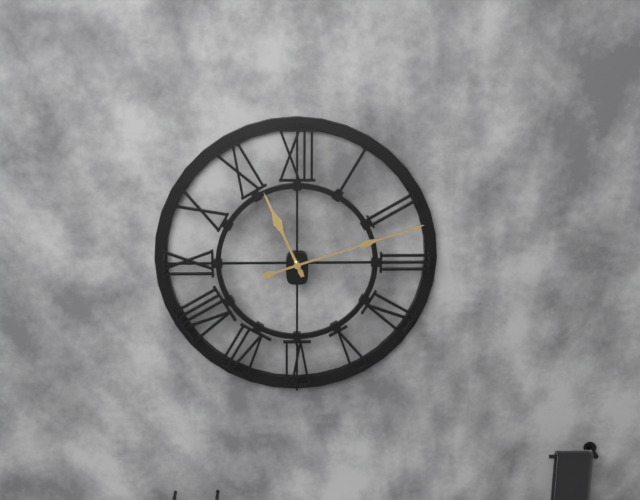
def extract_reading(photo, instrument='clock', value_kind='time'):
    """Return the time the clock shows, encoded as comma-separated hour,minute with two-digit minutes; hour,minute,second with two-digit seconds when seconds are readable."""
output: 11,12
